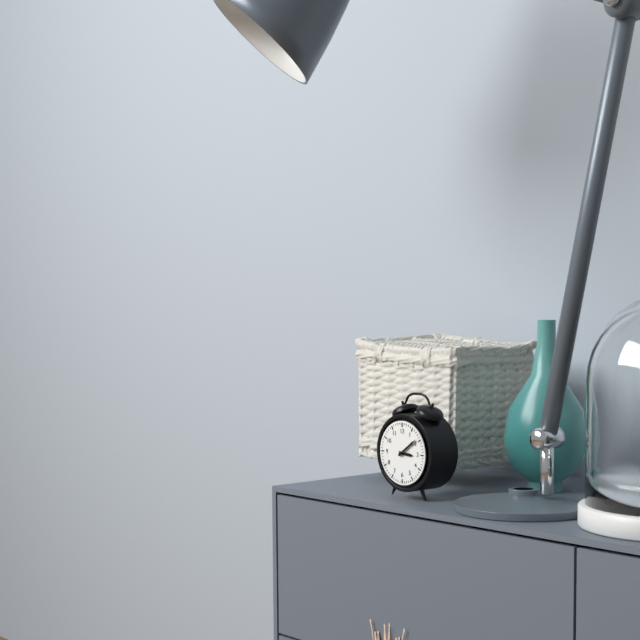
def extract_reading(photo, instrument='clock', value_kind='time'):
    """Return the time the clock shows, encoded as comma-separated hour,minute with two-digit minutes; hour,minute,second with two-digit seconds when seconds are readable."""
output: 3,09
